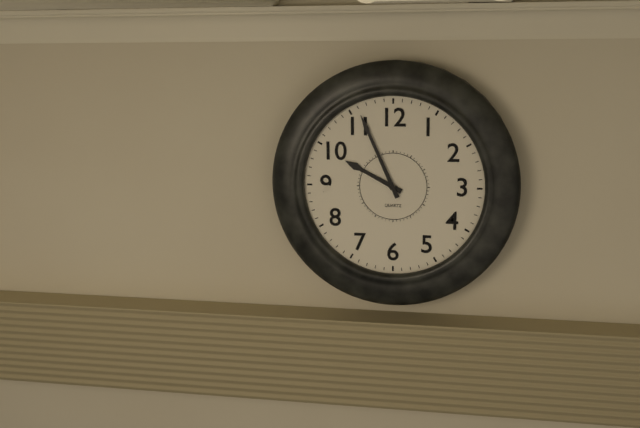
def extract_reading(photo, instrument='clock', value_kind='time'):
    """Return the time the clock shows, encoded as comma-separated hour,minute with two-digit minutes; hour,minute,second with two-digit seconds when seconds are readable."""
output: 9,56
